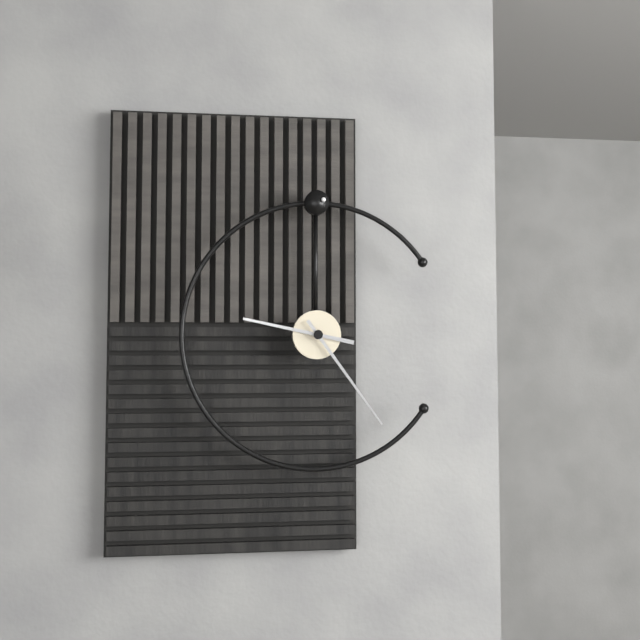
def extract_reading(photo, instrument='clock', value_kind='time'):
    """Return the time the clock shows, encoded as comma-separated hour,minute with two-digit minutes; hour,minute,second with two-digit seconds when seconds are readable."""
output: 9,24
